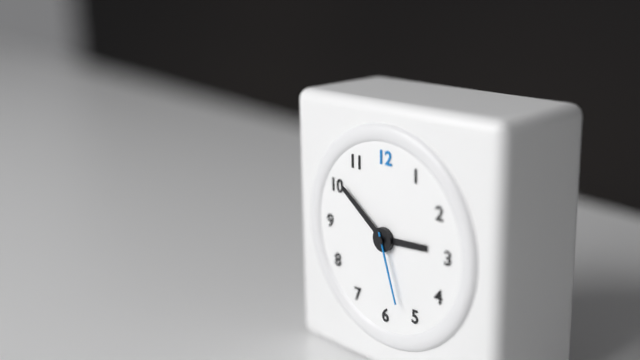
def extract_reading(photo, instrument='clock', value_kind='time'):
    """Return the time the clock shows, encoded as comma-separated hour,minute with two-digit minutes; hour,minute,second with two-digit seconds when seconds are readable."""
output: 2,51,27
